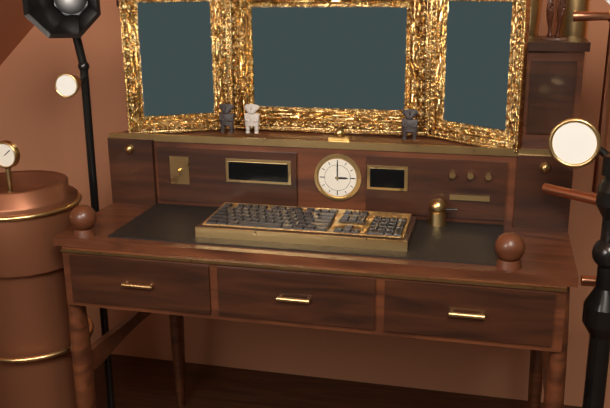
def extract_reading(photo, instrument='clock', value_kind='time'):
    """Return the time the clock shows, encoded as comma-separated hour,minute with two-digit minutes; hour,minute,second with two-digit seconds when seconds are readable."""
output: 3,00
